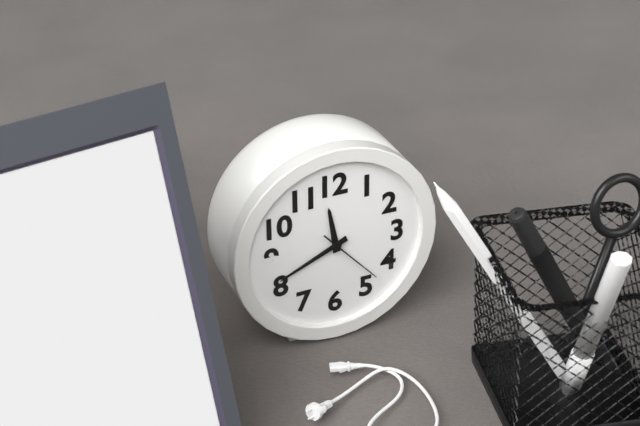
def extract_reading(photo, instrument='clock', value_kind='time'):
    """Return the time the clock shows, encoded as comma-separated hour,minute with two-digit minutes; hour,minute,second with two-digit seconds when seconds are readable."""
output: 11,41,23
